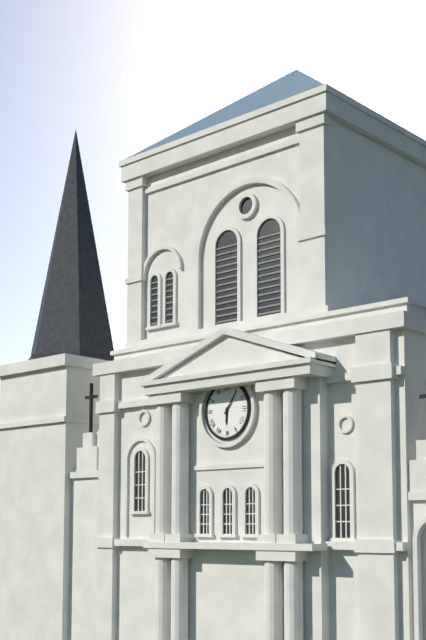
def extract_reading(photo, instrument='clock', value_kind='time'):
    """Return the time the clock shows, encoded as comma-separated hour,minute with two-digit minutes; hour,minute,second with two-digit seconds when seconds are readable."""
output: 6,06
